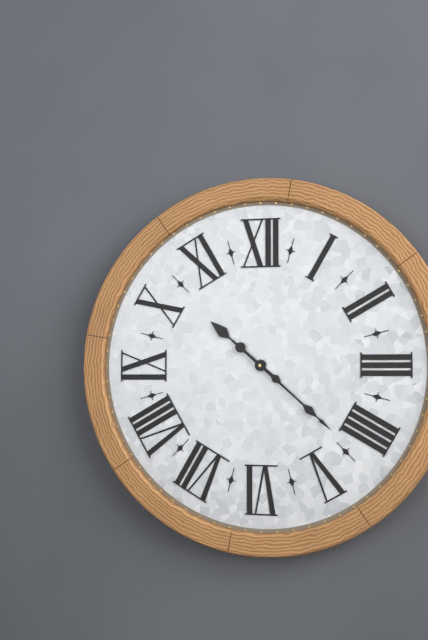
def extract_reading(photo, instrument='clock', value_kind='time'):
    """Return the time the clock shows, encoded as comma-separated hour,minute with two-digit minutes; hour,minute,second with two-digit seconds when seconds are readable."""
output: 10,22
